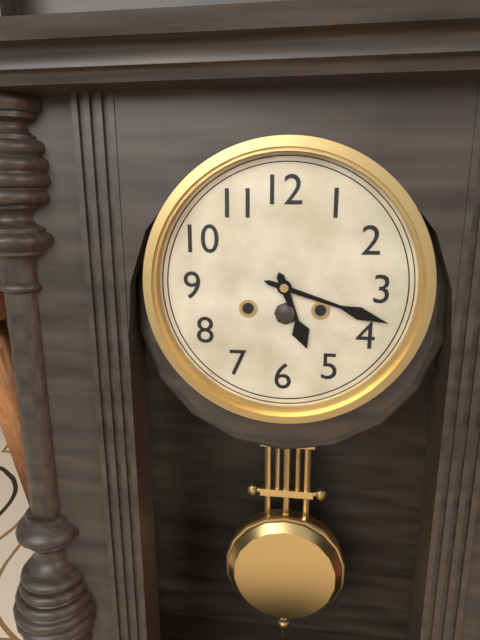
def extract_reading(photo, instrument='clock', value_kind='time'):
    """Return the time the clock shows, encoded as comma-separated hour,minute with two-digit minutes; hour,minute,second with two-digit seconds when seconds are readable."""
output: 5,18
